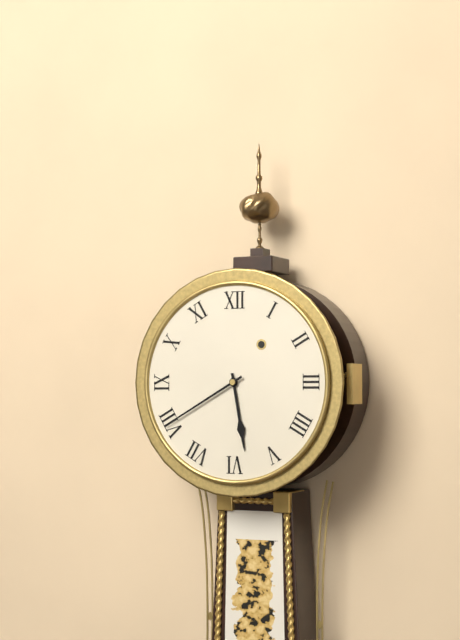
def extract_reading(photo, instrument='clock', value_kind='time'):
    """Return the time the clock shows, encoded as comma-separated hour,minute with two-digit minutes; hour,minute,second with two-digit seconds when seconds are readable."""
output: 5,40
